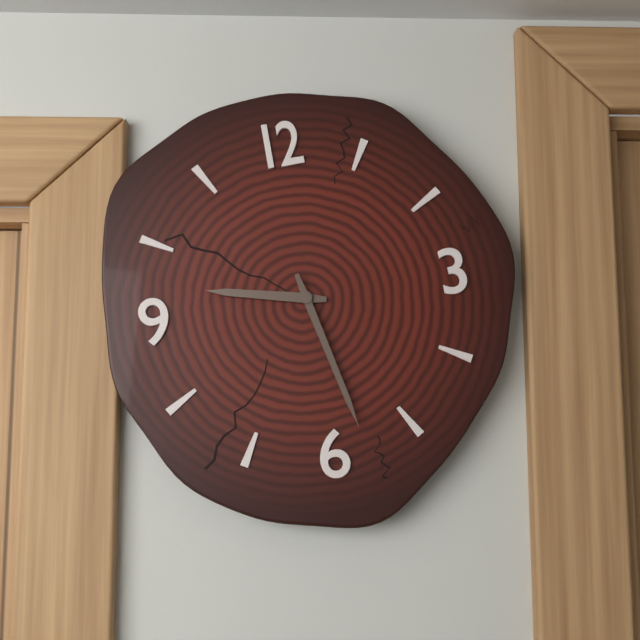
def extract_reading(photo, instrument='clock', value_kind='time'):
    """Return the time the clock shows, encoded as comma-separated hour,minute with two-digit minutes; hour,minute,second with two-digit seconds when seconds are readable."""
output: 9,28
